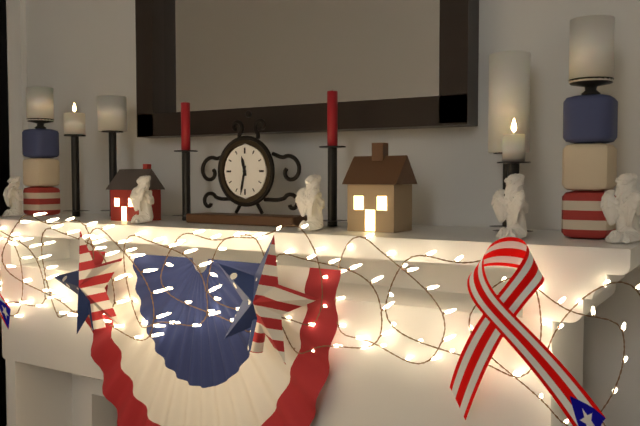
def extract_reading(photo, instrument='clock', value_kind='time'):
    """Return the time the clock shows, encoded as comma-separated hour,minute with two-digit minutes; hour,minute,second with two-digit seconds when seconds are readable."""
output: 11,32
